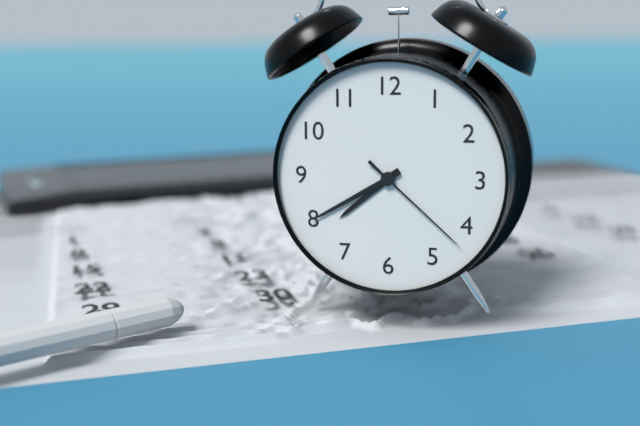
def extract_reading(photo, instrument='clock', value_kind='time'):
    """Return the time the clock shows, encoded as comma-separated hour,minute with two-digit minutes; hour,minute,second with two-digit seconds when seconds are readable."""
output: 7,40,22
